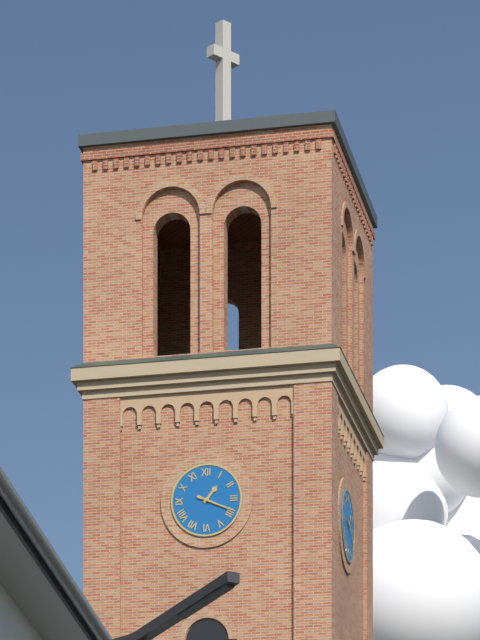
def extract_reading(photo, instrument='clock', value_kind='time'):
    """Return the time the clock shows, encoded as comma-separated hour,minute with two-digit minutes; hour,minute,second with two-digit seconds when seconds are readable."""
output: 1,19
